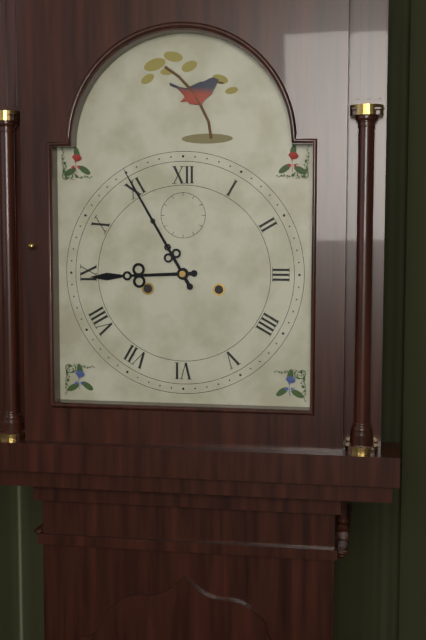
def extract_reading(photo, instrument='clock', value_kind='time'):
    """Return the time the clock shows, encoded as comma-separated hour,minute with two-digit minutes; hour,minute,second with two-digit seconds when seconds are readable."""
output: 8,55
